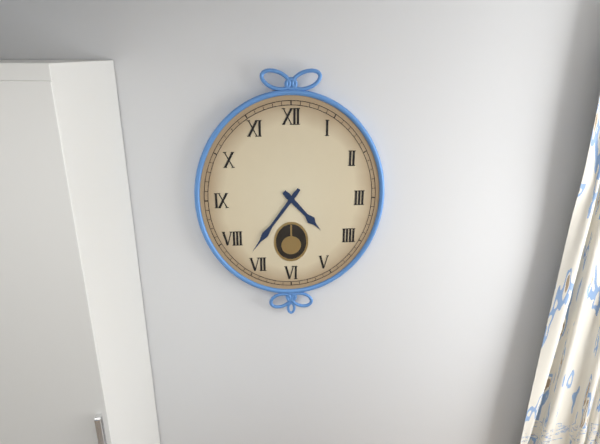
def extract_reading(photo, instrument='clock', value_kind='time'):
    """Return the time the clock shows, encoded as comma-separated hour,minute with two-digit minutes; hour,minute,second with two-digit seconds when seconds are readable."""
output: 4,36
